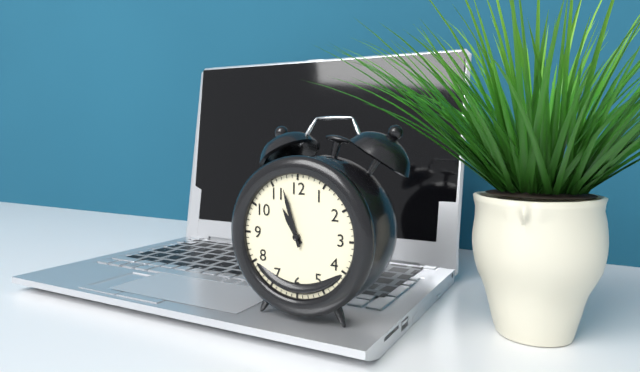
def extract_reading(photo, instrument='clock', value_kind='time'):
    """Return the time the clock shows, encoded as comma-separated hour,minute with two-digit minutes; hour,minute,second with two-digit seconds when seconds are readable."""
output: 10,57
